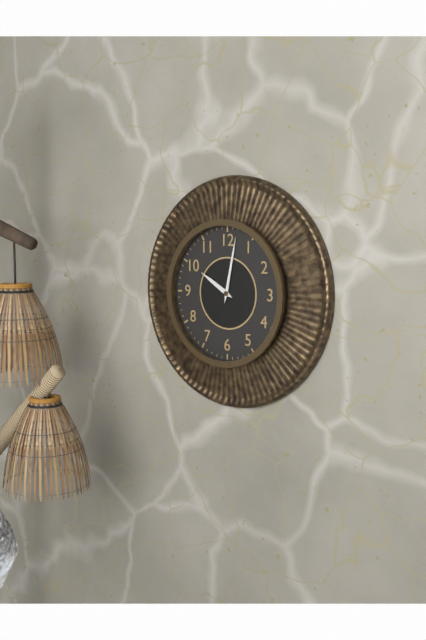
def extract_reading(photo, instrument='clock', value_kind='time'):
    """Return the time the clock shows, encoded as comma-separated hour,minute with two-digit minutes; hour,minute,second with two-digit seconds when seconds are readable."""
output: 10,02
